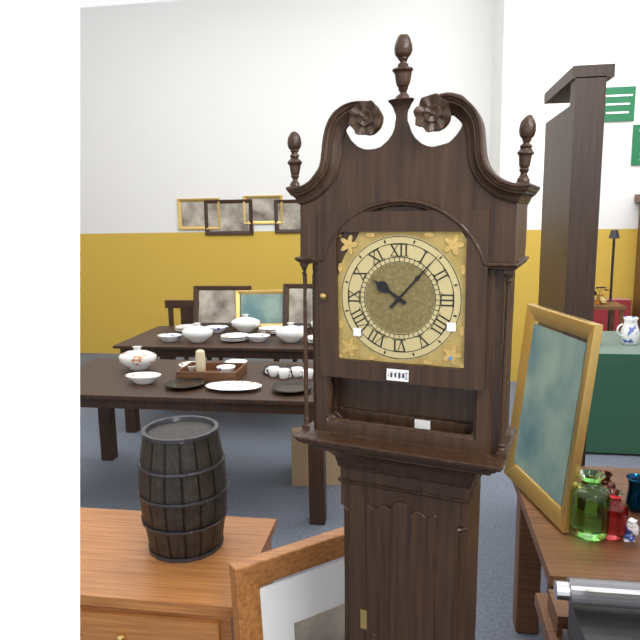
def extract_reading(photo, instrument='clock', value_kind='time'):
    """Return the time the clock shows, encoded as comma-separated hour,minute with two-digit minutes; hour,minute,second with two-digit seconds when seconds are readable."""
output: 10,07
